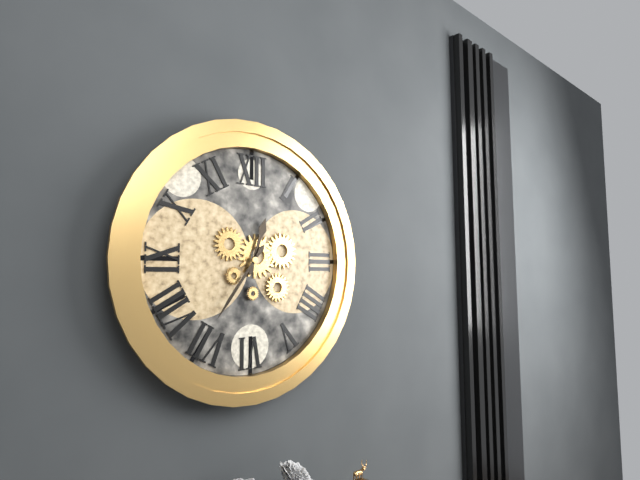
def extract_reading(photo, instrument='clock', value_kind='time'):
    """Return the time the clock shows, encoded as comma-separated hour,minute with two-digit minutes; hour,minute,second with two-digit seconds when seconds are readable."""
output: 12,36
